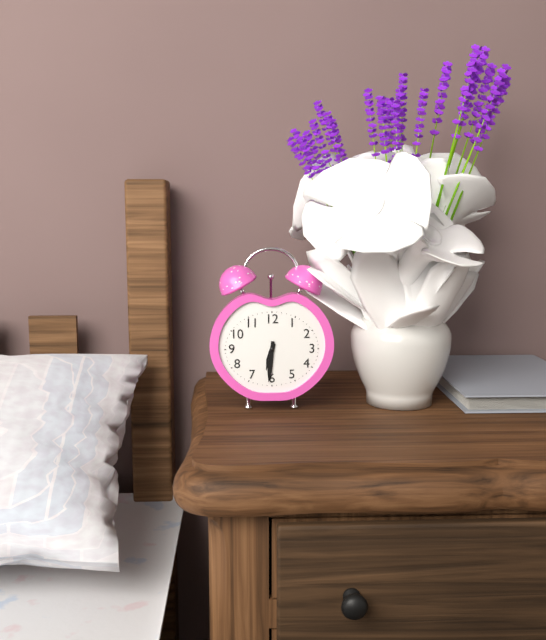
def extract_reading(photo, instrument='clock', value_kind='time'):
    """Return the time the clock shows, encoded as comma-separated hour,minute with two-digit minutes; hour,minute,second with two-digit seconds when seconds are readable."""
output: 6,31
